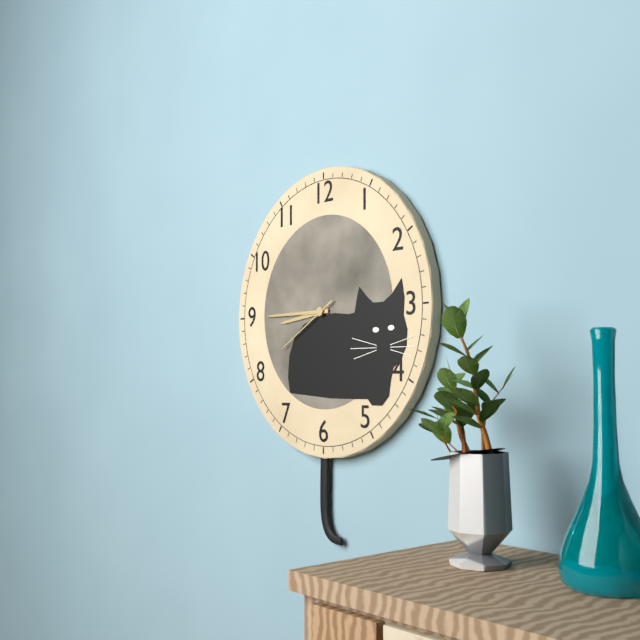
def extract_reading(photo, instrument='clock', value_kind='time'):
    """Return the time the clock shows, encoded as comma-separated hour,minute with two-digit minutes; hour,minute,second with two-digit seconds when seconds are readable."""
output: 8,45,40
